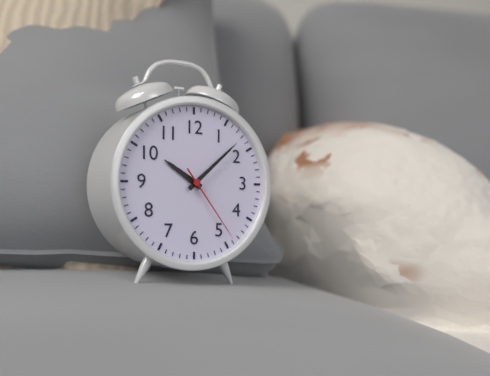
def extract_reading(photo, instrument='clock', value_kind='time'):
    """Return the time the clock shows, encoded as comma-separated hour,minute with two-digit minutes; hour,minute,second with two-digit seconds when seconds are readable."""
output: 10,08,24
